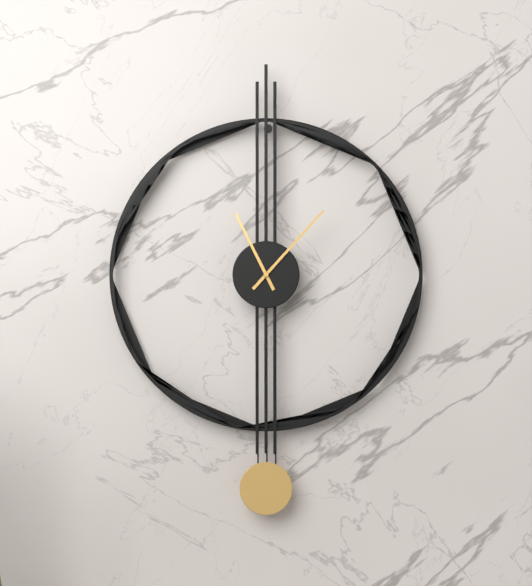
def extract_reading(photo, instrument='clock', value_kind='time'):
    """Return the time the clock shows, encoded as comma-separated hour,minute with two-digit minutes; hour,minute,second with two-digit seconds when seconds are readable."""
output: 11,07
